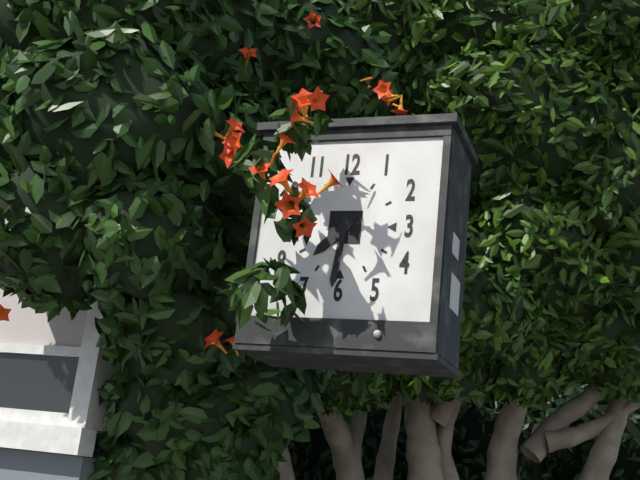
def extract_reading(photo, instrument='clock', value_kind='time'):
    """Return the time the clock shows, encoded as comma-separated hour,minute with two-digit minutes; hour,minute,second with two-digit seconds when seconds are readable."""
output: 7,31
